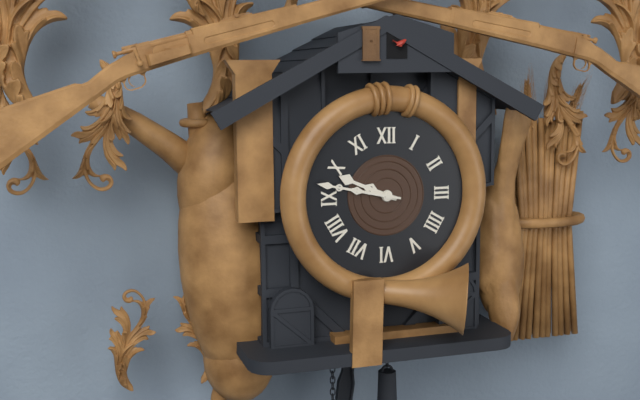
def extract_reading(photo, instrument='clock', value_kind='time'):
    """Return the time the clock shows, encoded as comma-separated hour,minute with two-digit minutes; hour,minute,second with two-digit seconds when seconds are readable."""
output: 9,47
